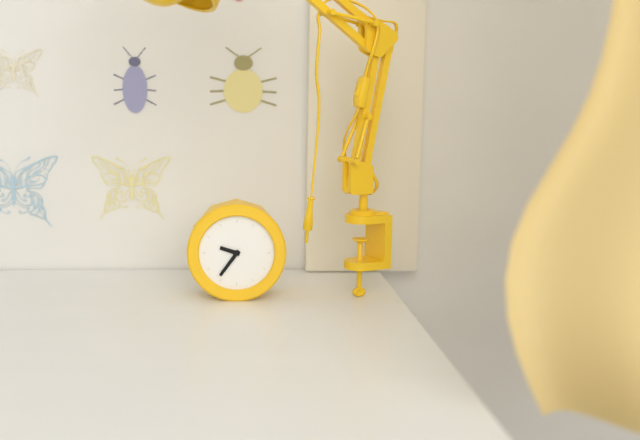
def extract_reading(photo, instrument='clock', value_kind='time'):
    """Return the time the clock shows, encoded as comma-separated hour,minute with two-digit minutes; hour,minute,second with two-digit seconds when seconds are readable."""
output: 9,36
